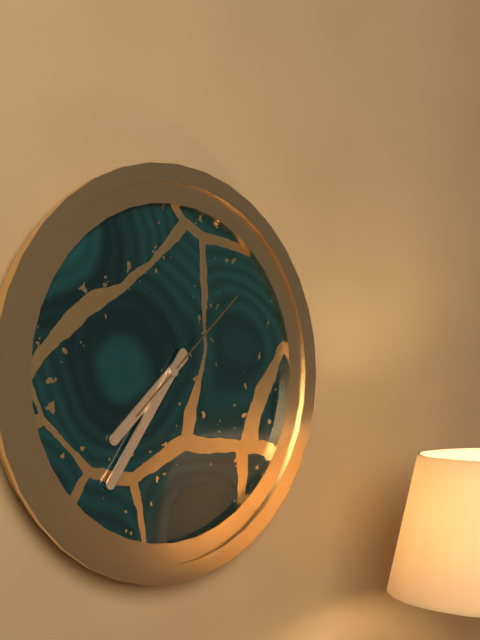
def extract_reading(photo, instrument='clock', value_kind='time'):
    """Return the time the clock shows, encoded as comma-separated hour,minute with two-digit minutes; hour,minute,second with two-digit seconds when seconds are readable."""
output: 7,36,08
